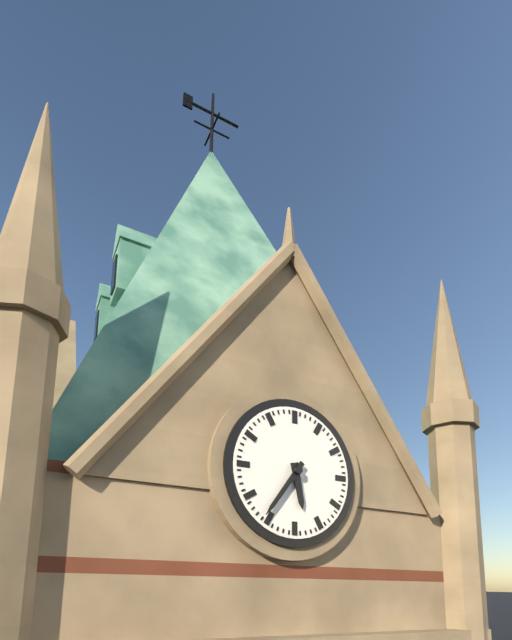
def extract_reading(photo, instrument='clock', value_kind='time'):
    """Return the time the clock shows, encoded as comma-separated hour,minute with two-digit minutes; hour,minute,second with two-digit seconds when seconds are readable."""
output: 5,36
